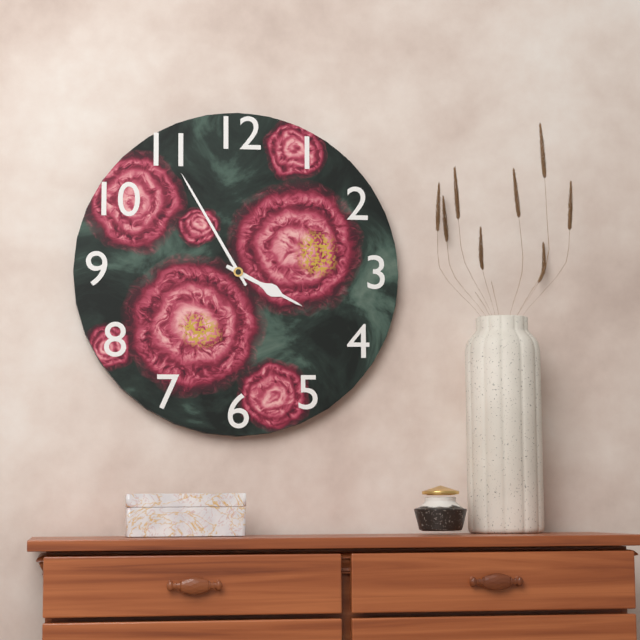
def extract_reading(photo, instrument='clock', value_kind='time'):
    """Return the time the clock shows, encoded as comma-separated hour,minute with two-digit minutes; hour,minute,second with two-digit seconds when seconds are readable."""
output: 3,55
